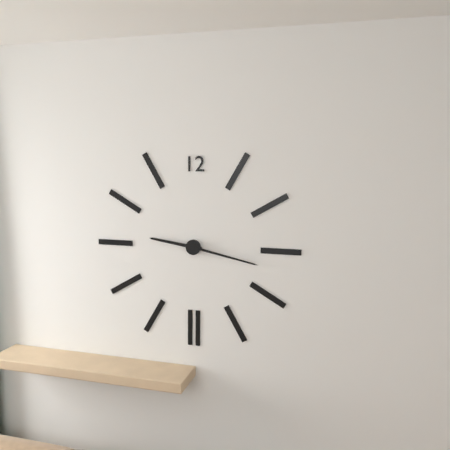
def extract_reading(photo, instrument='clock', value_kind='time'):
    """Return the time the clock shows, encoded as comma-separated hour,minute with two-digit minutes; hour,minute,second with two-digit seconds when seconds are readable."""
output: 9,17
